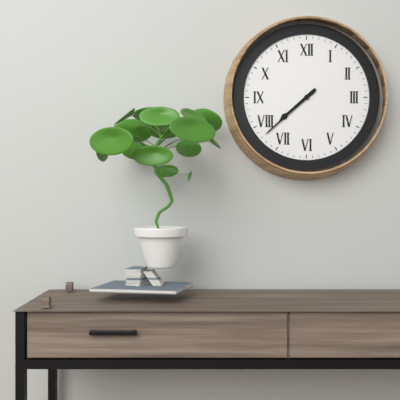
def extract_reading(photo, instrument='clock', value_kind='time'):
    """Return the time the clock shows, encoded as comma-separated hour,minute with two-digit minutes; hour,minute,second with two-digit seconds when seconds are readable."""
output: 7,38
